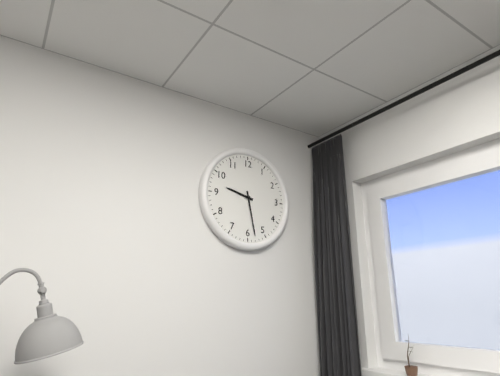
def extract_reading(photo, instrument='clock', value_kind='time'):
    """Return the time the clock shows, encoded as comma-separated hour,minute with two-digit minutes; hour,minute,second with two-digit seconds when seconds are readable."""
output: 9,28
